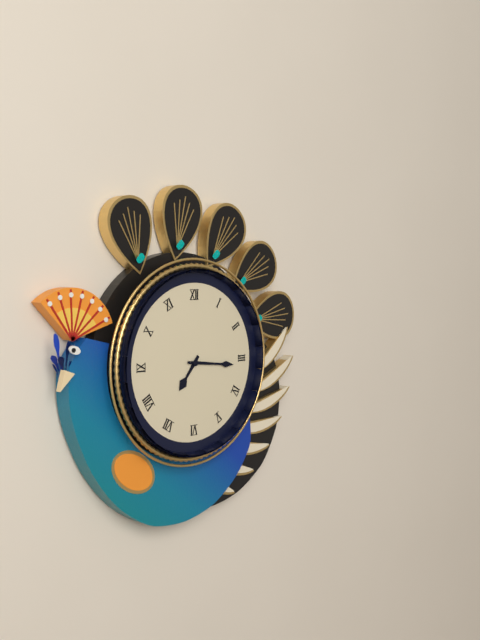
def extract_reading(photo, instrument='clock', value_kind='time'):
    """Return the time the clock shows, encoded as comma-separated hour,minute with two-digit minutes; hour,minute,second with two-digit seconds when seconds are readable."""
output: 7,16
